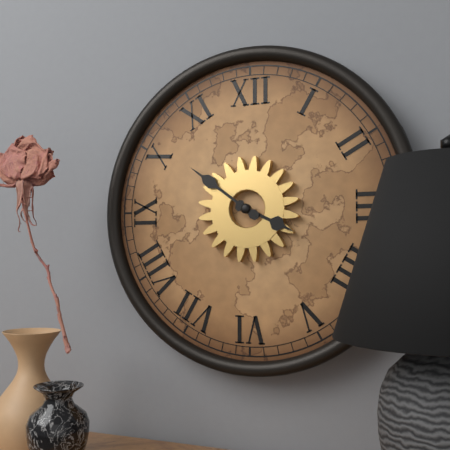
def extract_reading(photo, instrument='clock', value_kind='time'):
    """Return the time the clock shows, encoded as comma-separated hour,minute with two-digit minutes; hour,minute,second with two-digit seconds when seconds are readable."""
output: 3,51
